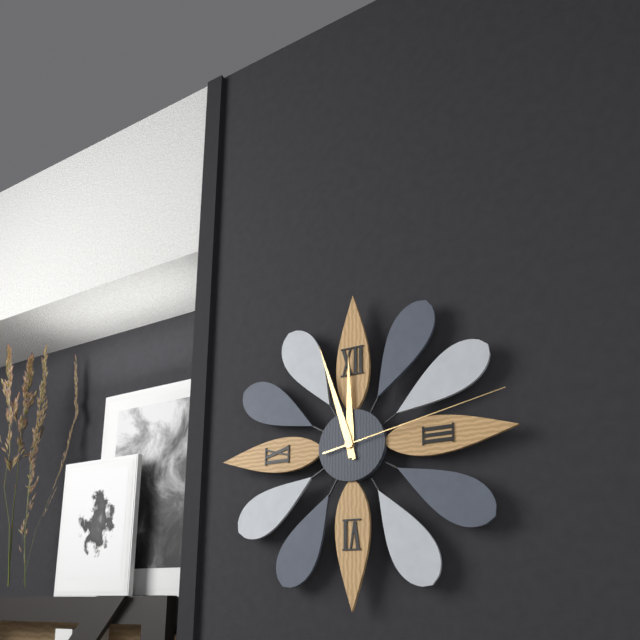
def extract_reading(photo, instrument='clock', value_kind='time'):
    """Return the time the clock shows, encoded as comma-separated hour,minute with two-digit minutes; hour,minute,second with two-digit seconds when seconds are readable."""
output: 11,57,13
